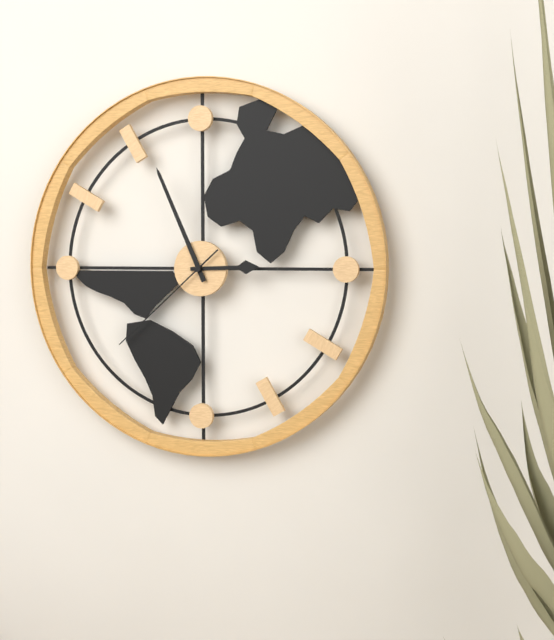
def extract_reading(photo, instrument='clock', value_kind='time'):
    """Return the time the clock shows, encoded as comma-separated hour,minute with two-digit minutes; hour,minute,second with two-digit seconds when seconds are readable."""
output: 2,56,38
